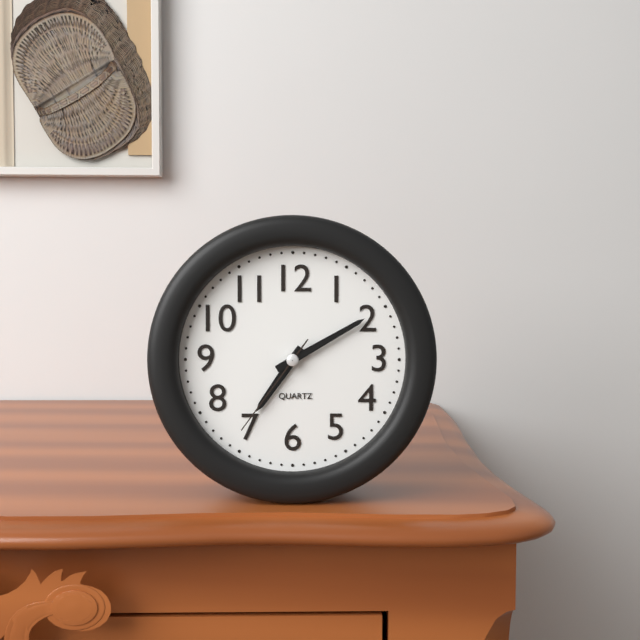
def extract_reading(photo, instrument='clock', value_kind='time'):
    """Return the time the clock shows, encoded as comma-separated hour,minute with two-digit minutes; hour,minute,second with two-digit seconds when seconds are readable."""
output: 7,10,36
